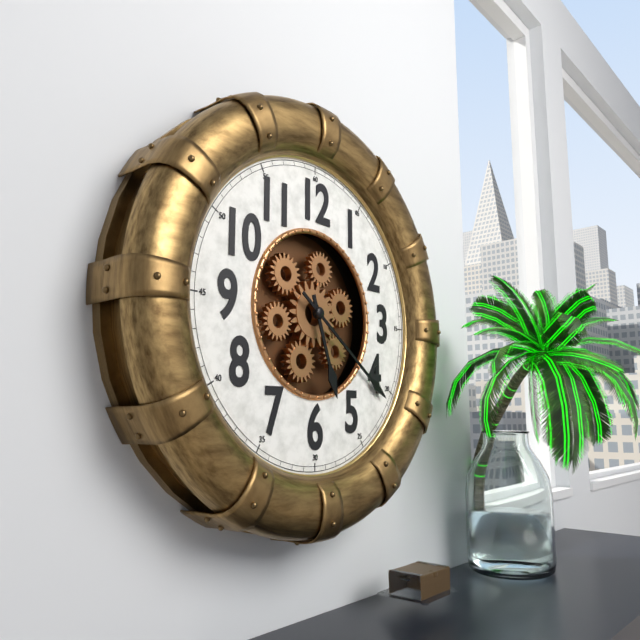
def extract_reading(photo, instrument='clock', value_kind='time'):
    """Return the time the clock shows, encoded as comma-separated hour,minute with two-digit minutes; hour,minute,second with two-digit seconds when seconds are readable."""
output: 5,21
